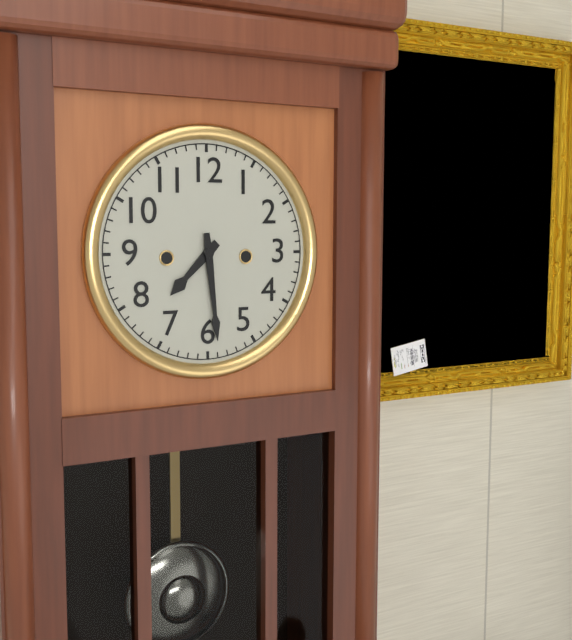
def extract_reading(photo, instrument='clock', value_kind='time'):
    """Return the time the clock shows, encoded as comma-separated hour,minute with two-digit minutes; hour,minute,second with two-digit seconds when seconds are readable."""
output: 7,29
